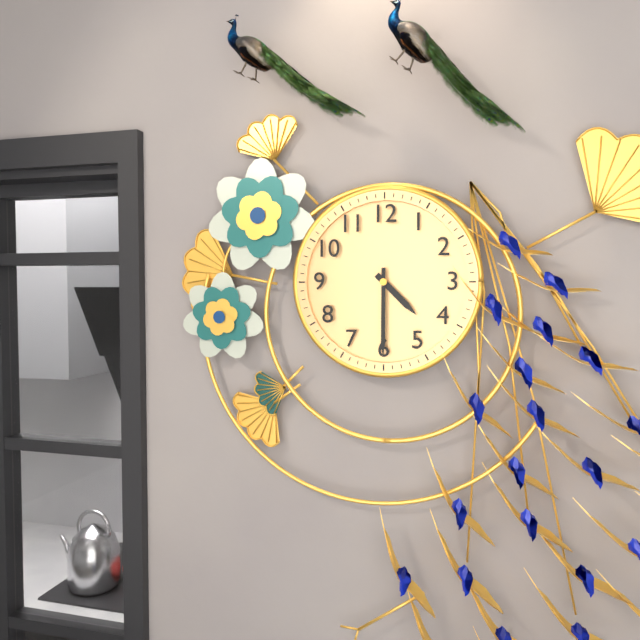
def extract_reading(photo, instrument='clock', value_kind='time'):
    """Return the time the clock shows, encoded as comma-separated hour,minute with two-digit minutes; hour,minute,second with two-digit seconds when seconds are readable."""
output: 4,30
